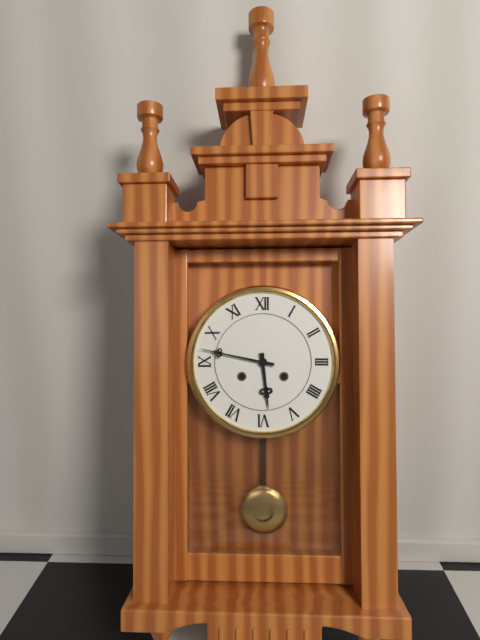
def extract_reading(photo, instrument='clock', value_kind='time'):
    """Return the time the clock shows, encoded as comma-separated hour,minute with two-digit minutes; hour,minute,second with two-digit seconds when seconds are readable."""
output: 5,47
